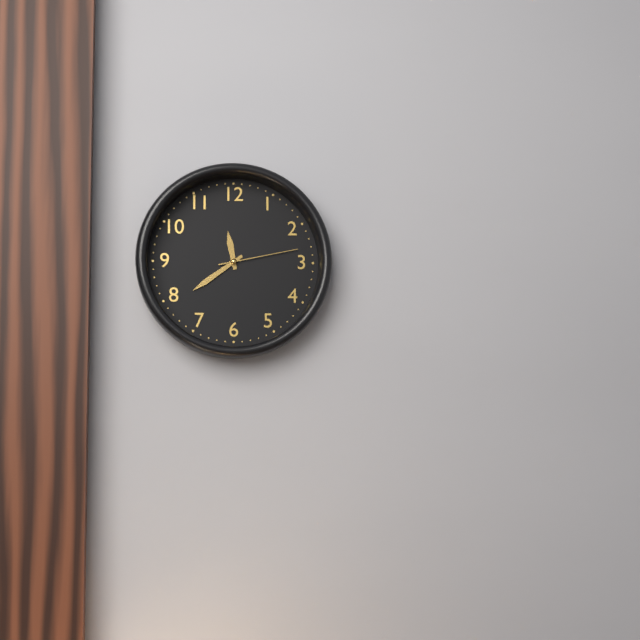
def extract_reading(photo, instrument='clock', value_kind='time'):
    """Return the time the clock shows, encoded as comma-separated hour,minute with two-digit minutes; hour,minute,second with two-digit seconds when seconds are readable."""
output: 11,39,13
